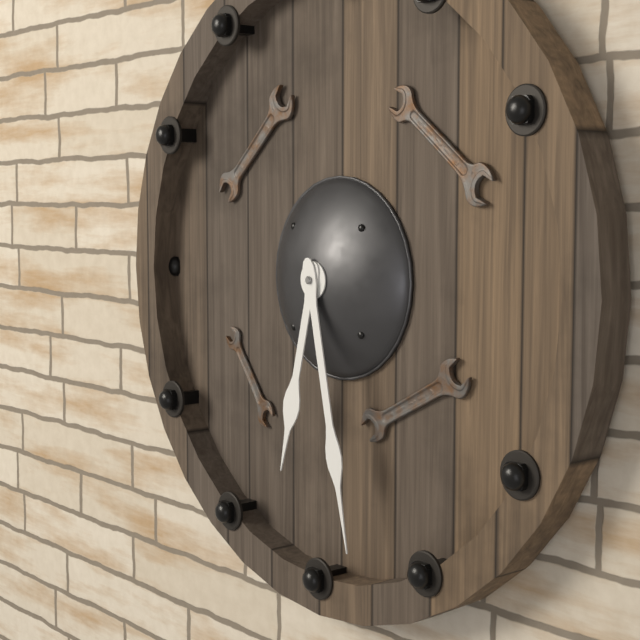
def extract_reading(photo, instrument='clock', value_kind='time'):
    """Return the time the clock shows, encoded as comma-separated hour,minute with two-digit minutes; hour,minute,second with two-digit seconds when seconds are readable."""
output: 6,28
